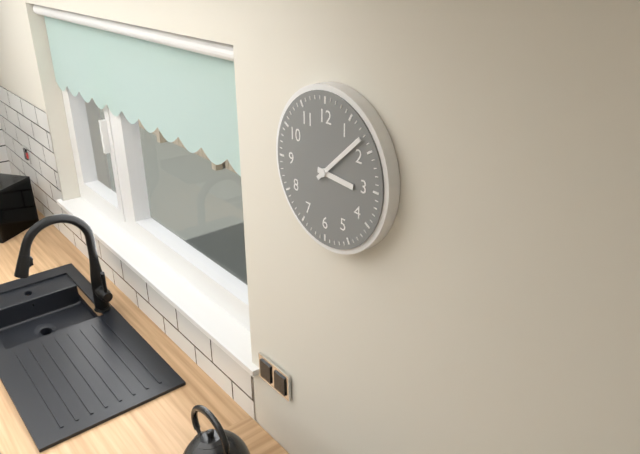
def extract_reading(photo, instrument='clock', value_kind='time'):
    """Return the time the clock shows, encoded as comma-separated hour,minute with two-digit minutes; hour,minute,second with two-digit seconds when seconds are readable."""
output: 3,08
